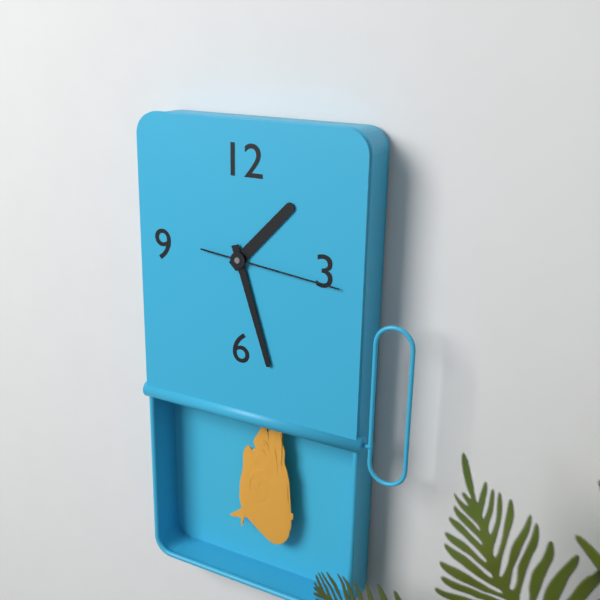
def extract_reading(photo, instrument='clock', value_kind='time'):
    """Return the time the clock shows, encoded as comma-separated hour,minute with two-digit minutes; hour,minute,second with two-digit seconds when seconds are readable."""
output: 1,27,16
